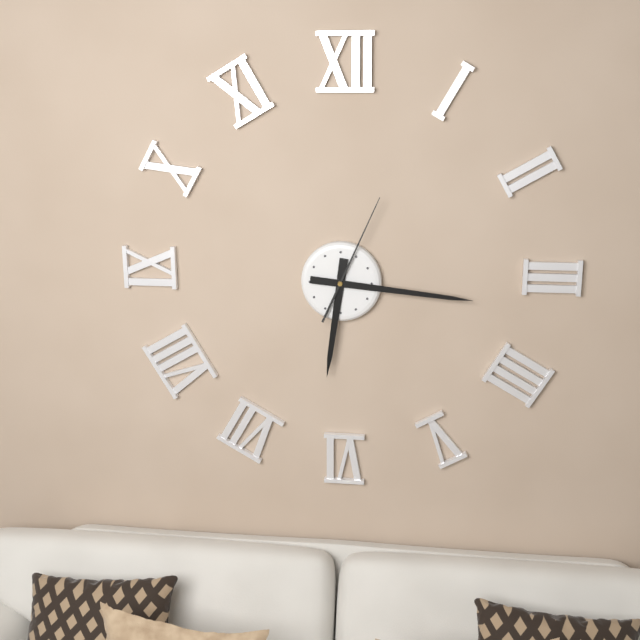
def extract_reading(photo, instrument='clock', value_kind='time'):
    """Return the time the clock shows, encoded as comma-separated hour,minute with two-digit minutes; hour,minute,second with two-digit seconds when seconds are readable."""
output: 6,16,04
